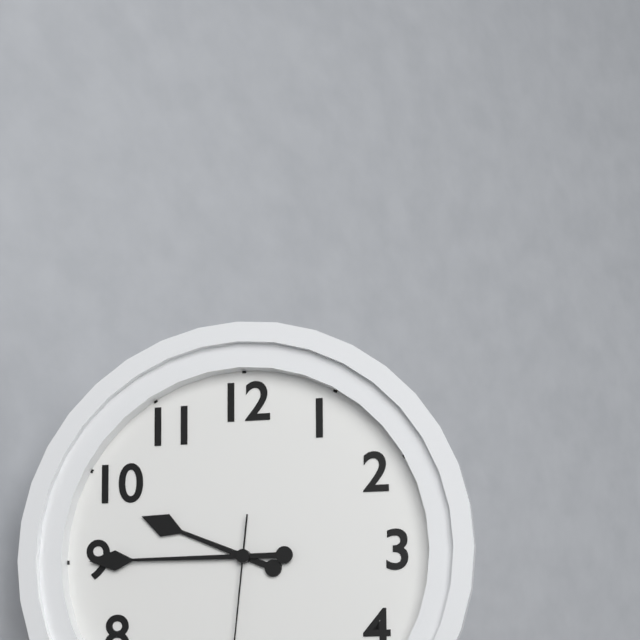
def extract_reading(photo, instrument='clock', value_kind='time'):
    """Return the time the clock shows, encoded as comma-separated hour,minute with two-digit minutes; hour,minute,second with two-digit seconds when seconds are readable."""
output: 9,45
